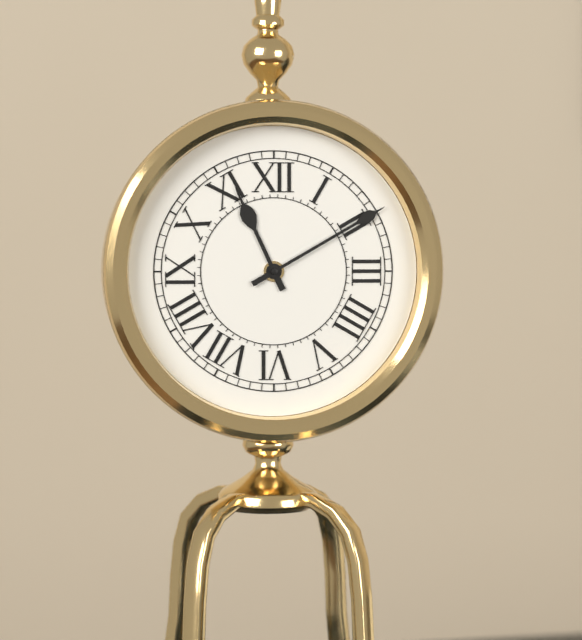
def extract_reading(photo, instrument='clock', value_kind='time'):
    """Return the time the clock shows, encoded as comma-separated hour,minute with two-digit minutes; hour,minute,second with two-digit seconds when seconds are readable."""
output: 11,10
